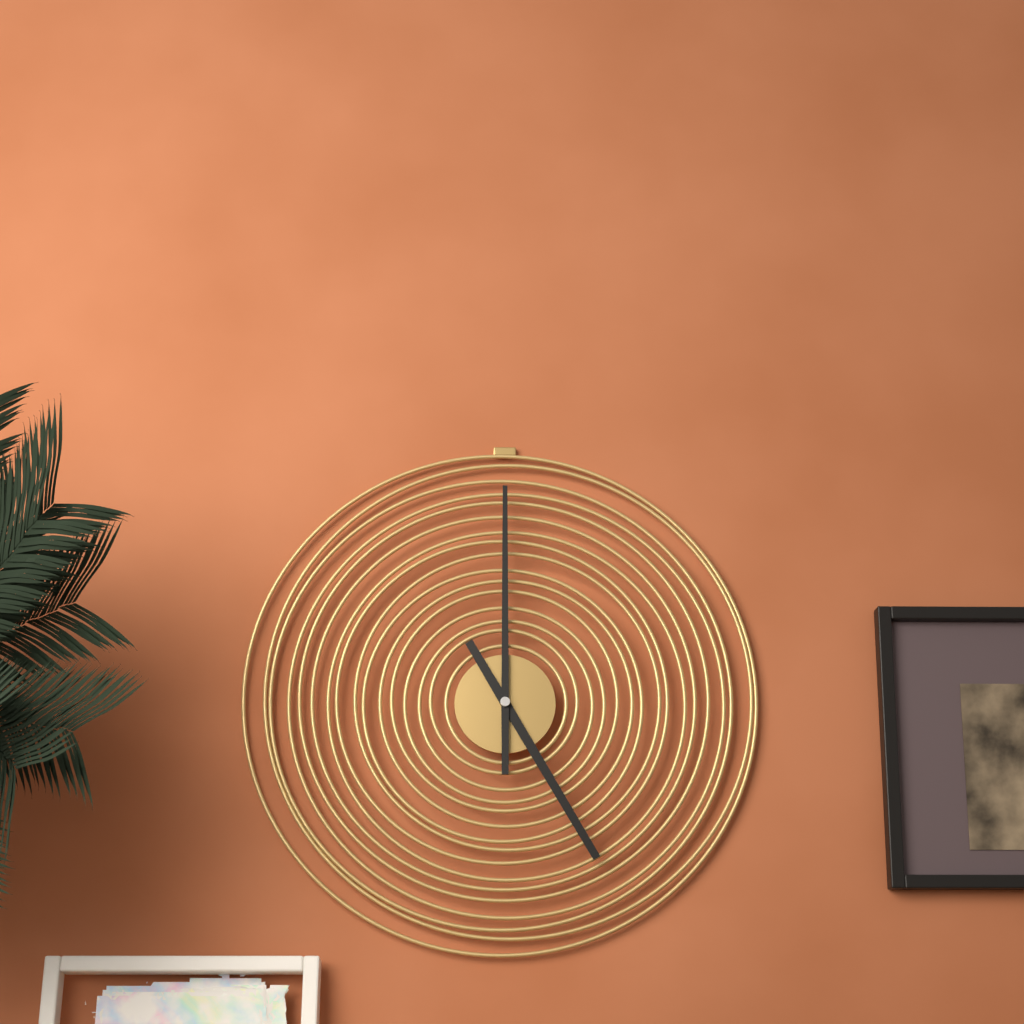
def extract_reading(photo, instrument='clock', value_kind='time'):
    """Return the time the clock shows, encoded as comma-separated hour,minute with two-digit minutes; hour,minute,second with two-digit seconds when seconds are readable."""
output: 5,00
